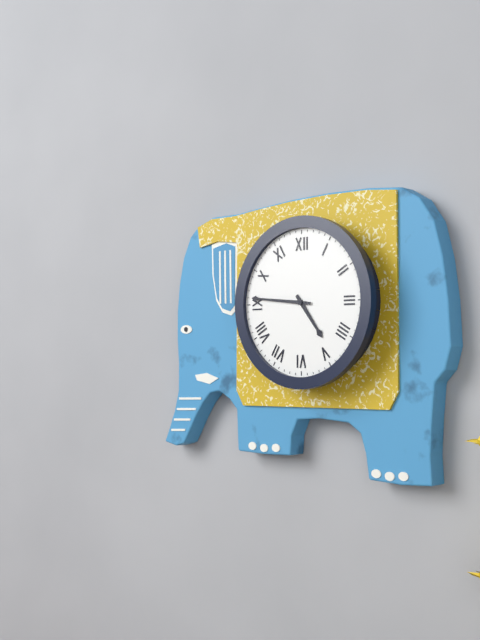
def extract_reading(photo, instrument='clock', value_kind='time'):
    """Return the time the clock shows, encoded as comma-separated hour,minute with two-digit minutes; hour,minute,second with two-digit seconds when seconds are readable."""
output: 4,46
